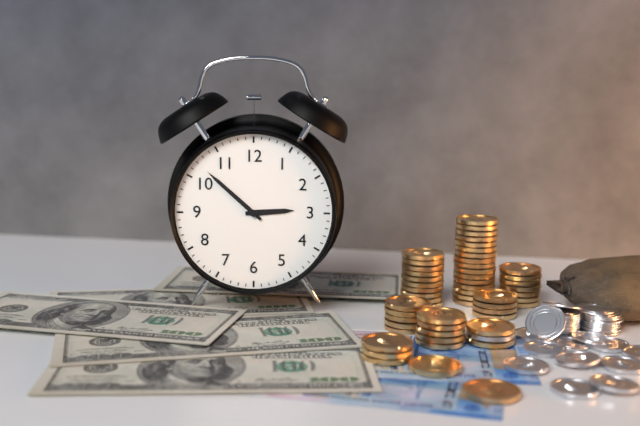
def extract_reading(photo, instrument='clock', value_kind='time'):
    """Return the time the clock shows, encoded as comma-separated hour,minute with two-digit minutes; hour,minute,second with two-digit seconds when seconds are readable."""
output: 2,52
